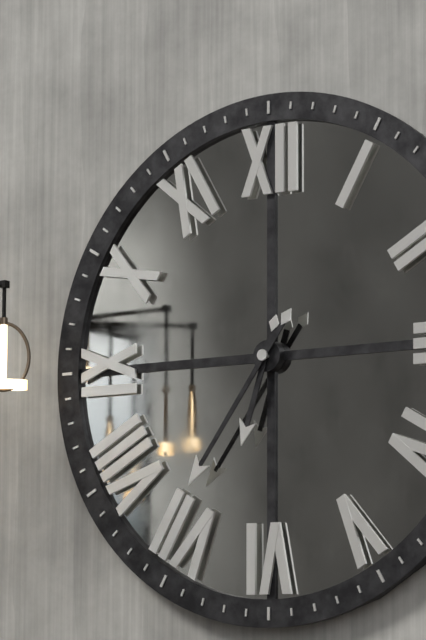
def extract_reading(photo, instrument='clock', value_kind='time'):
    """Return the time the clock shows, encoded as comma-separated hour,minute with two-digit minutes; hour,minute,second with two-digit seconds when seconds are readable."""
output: 6,36
